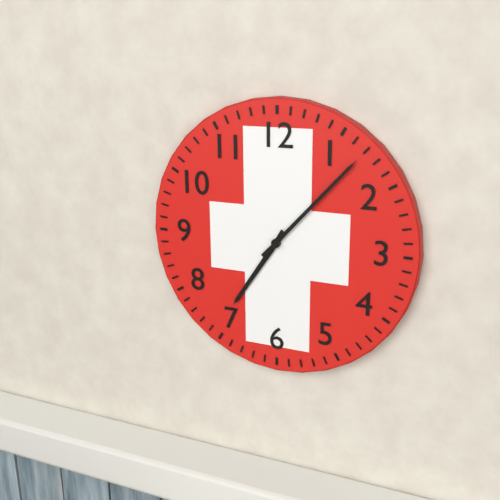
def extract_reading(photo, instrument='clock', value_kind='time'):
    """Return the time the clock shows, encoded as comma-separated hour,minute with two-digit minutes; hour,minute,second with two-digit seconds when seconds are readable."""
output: 7,07
